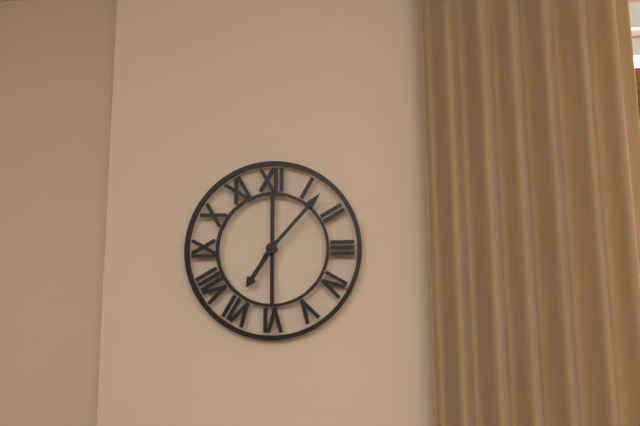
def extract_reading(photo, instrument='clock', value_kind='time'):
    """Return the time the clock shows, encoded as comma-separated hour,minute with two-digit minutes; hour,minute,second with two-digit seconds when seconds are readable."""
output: 7,07
